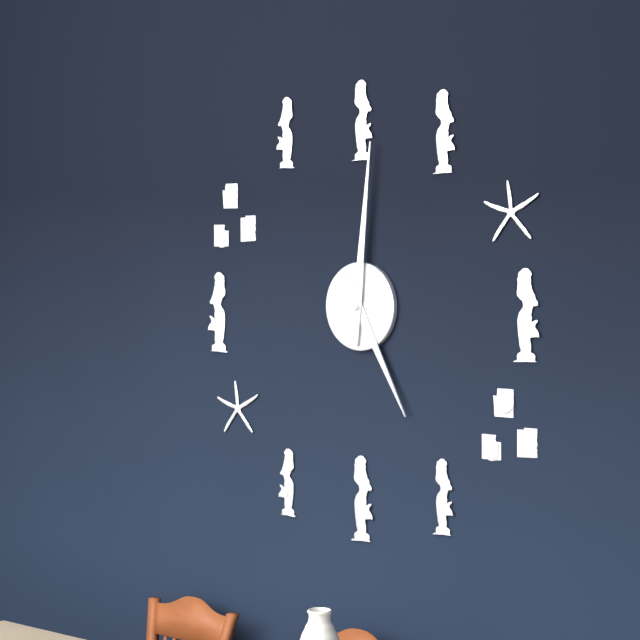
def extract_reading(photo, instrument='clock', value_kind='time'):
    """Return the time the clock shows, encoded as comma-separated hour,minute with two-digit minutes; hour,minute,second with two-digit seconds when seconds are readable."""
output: 5,01
